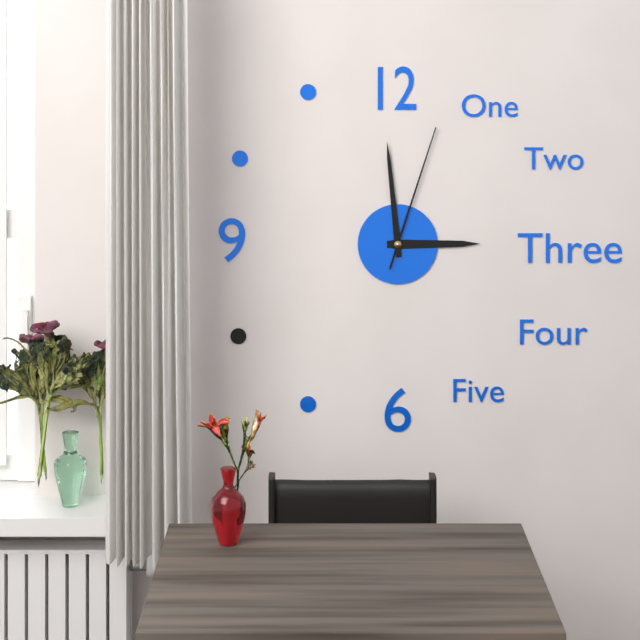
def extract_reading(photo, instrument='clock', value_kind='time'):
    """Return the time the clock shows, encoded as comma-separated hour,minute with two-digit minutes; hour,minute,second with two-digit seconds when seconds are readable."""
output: 2,59,03
